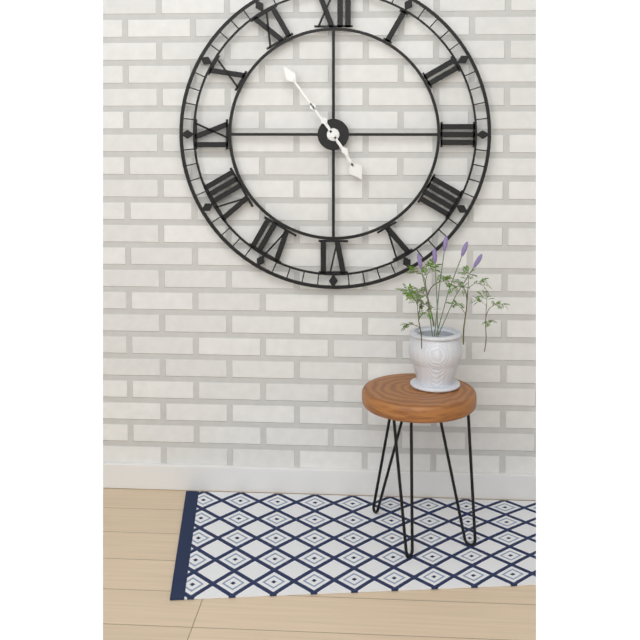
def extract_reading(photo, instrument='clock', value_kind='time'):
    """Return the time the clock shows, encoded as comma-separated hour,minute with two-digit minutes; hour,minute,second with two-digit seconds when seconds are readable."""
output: 4,54
